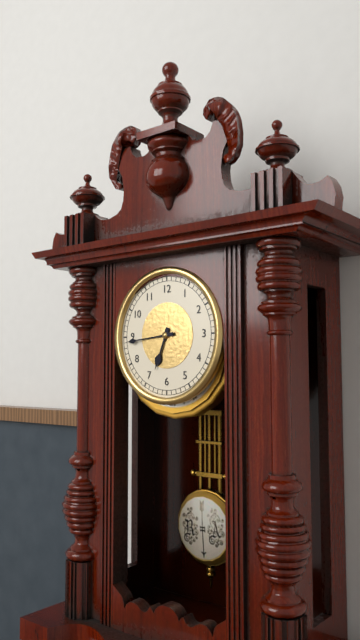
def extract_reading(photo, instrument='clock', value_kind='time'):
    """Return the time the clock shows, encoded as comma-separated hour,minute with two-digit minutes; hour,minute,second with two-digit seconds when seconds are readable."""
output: 6,44
